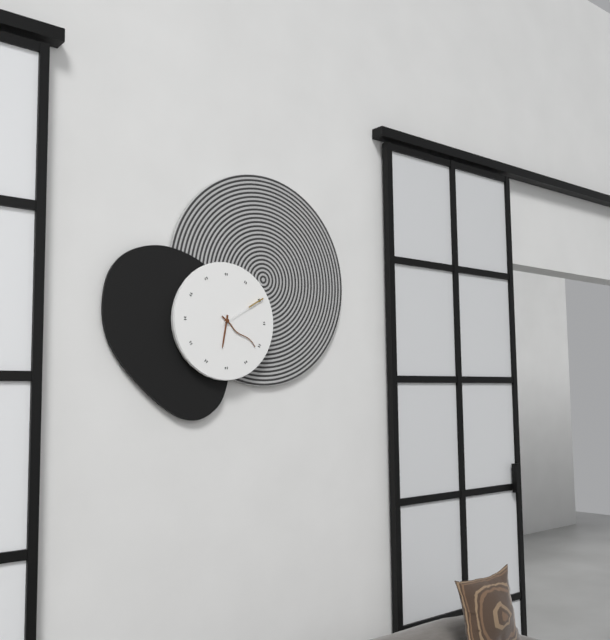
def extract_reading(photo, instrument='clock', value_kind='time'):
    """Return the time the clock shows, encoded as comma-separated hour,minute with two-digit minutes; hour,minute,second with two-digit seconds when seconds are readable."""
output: 6,21,10
